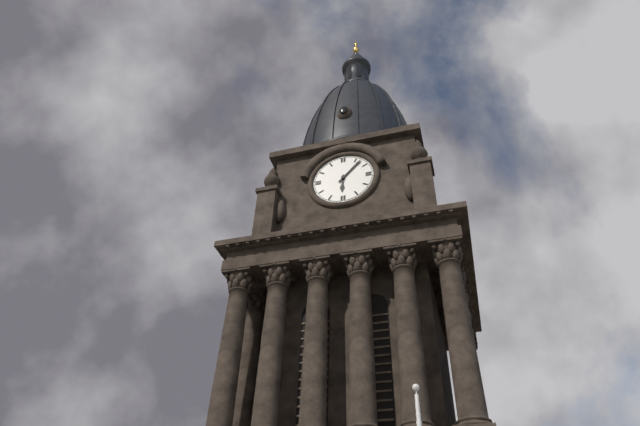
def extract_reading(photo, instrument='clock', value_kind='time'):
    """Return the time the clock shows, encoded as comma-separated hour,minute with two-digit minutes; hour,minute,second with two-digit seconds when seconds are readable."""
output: 6,07
